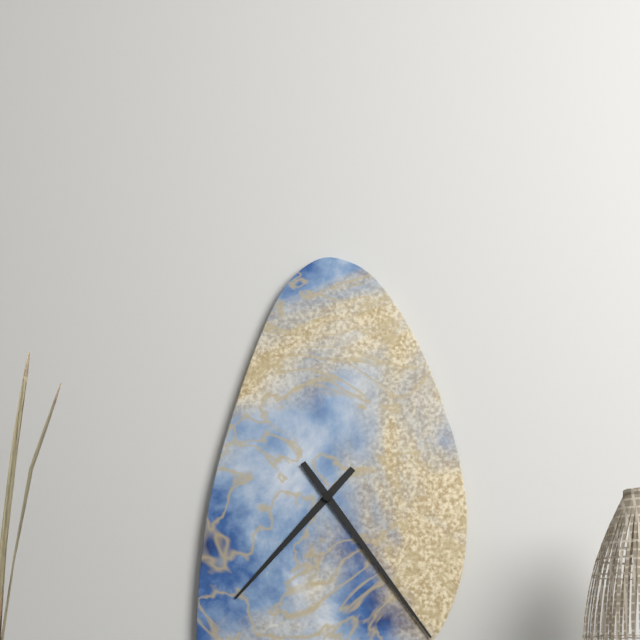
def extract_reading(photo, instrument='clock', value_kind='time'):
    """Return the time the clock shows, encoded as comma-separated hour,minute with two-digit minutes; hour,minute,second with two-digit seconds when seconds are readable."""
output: 7,24
